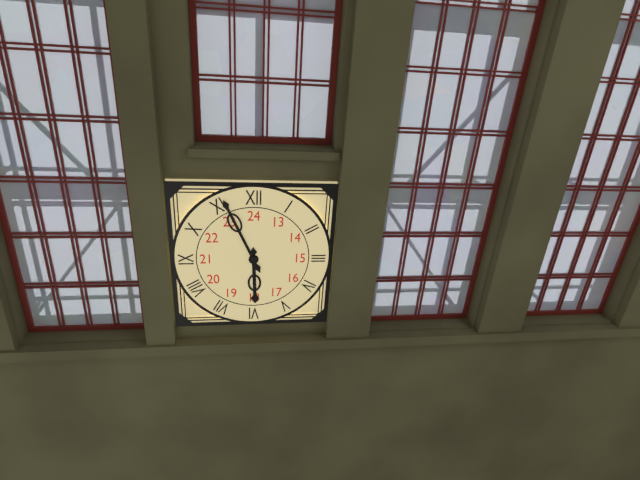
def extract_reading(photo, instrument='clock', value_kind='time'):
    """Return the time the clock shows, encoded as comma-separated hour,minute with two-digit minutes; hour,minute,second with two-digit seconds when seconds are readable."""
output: 5,56
